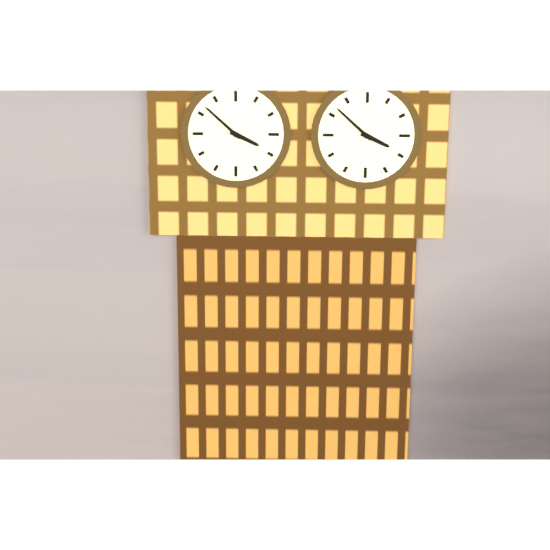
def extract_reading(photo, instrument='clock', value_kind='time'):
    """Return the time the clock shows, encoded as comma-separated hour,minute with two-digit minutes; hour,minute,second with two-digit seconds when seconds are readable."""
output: 3,52
